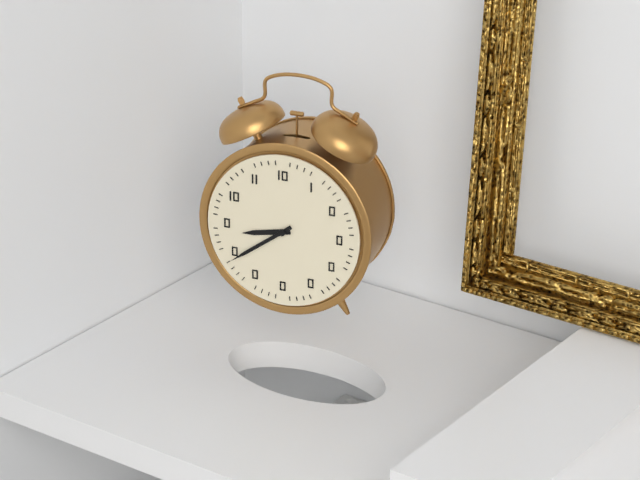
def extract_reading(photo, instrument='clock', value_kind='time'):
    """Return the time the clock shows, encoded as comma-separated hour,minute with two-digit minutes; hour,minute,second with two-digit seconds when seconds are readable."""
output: 8,39
